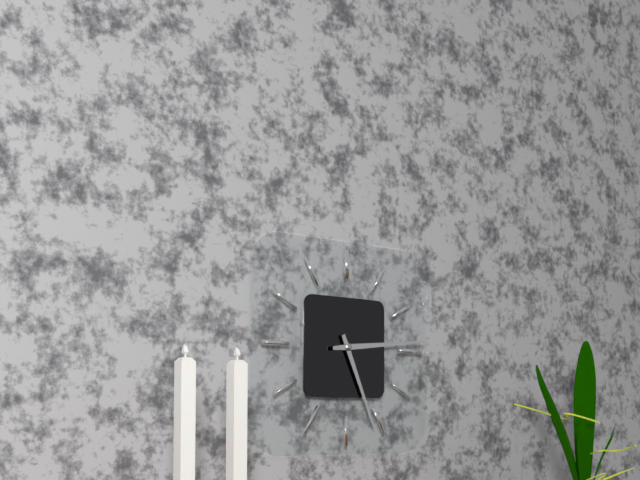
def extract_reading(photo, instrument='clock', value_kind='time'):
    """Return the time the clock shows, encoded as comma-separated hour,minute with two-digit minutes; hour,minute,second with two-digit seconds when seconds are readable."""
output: 5,14
